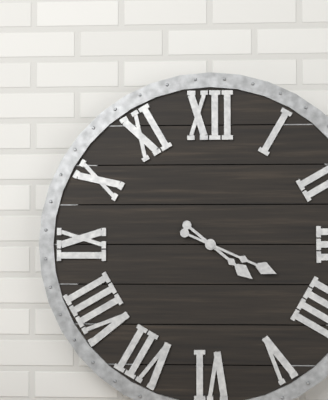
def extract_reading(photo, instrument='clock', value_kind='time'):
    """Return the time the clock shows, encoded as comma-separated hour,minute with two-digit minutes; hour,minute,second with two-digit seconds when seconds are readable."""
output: 4,19
